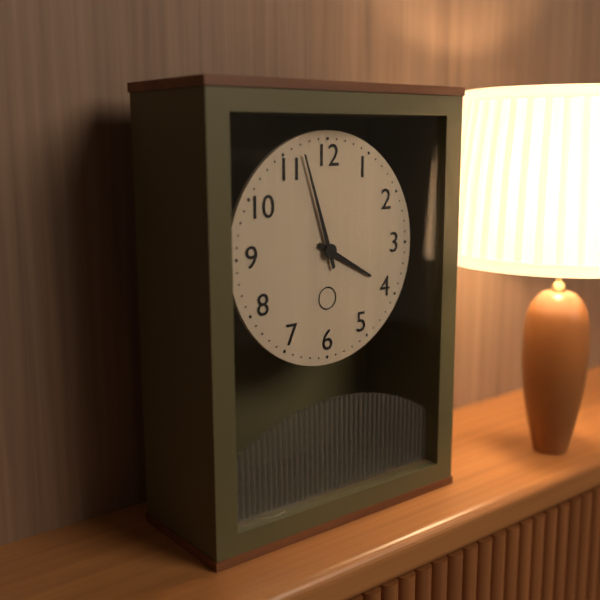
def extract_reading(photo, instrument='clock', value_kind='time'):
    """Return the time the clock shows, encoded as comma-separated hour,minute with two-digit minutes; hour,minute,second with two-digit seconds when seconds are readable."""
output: 3,57
